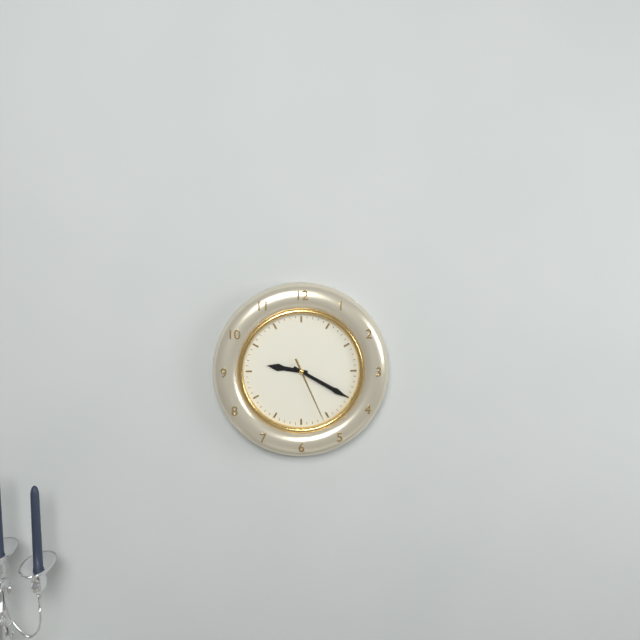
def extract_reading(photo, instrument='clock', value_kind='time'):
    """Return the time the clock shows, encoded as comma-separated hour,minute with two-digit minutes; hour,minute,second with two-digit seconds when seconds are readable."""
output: 9,20,26
